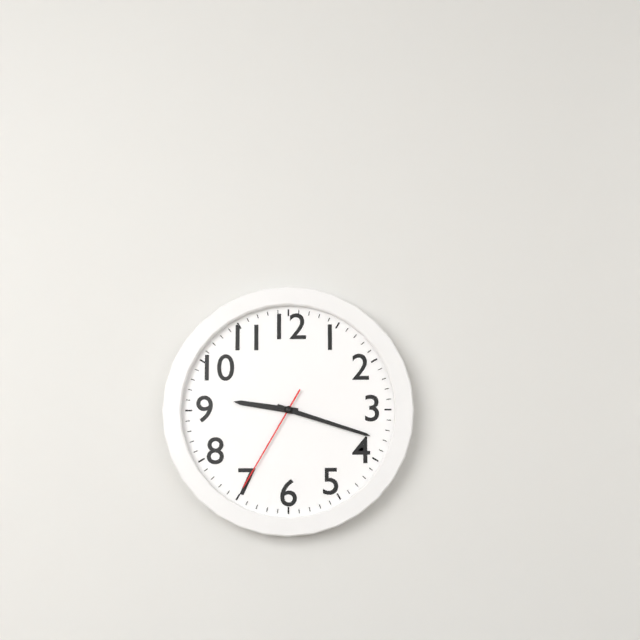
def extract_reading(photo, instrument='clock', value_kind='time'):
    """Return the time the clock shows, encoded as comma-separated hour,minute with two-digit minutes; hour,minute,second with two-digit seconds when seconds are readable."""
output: 9,18,35
